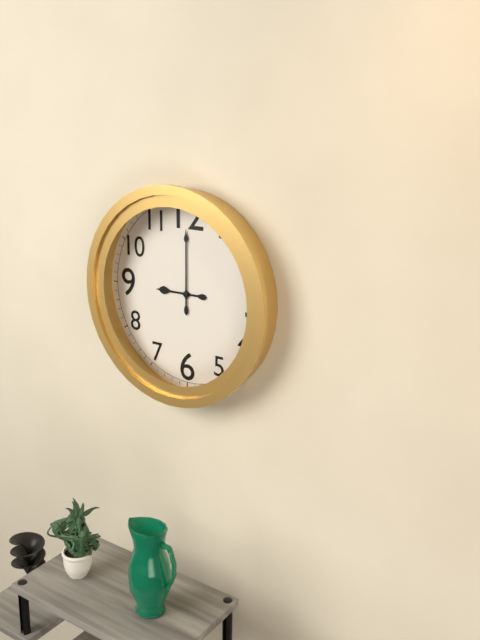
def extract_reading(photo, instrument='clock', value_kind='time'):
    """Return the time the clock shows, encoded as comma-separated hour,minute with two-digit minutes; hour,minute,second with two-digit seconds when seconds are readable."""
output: 9,00
